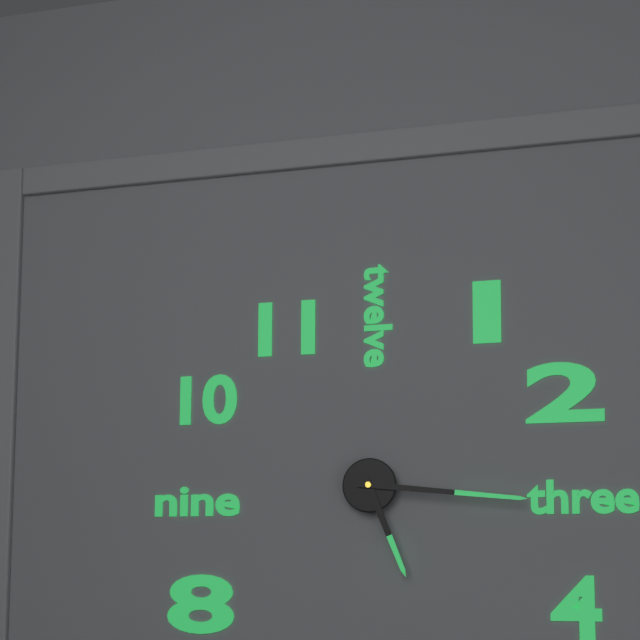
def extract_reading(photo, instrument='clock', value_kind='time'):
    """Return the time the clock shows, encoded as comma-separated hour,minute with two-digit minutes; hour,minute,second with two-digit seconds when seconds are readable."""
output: 5,16
